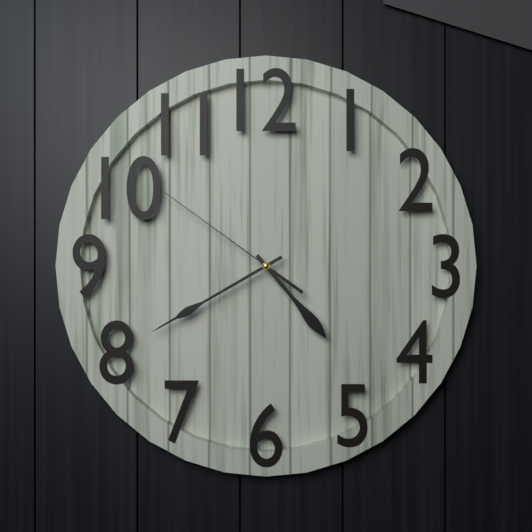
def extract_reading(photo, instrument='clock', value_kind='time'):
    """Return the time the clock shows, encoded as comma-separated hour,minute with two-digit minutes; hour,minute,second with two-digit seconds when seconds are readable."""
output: 4,40,51
